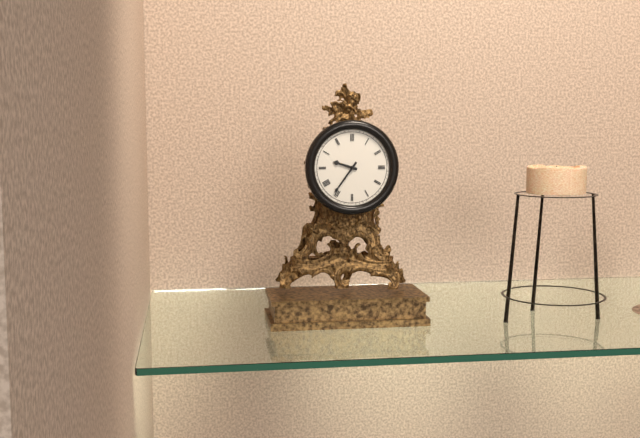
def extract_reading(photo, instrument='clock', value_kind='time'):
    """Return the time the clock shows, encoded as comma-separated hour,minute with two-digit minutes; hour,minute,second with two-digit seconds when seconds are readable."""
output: 9,36
